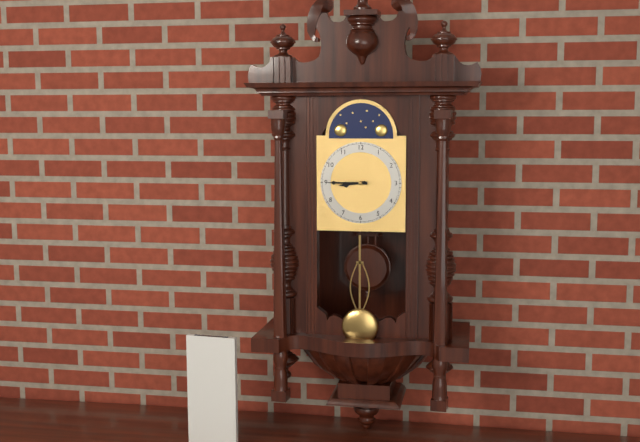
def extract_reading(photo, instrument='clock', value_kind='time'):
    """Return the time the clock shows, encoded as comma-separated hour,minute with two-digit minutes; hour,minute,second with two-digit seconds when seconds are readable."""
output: 8,45
